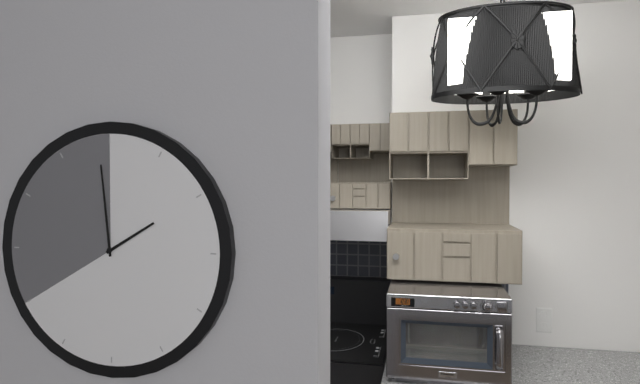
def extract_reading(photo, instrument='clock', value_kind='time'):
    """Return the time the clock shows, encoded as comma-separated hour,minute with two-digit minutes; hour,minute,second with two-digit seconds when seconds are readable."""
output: 1,59
